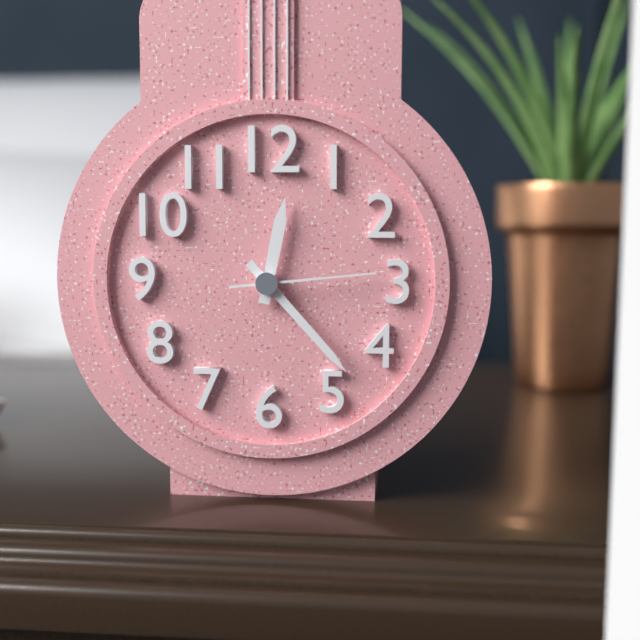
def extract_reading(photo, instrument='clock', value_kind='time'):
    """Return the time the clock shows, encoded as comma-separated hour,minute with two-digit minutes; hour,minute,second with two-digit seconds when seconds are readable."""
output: 12,23,14
